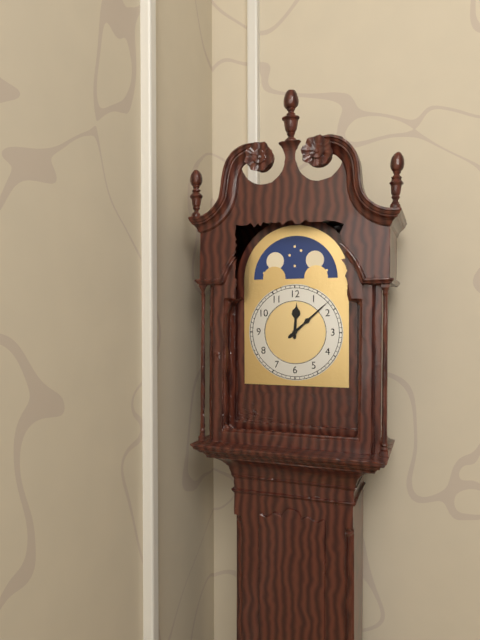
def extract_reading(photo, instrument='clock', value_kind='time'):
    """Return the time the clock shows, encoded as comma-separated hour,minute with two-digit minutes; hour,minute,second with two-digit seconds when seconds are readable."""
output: 12,08
